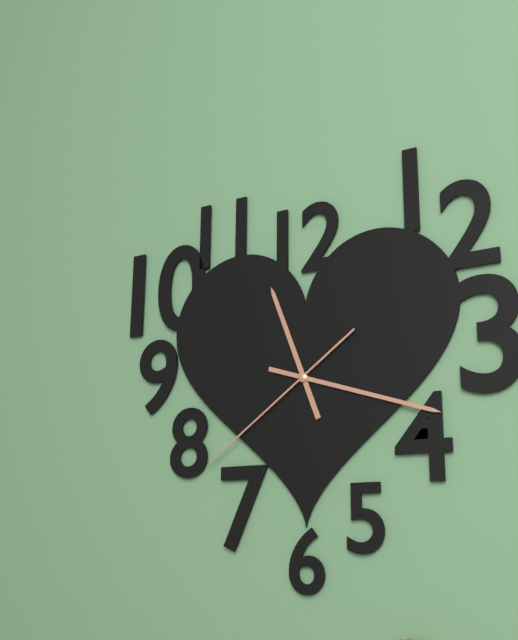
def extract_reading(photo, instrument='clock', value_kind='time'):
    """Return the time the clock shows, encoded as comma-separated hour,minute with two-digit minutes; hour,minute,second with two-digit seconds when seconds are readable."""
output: 11,18,39
